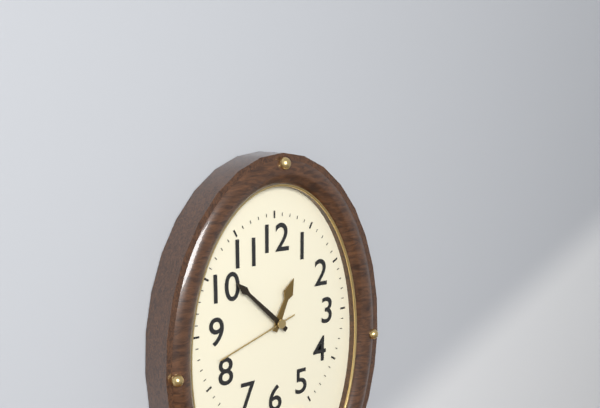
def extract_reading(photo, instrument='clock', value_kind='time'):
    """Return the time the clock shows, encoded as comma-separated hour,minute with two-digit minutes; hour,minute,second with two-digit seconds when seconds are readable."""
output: 12,52,42
